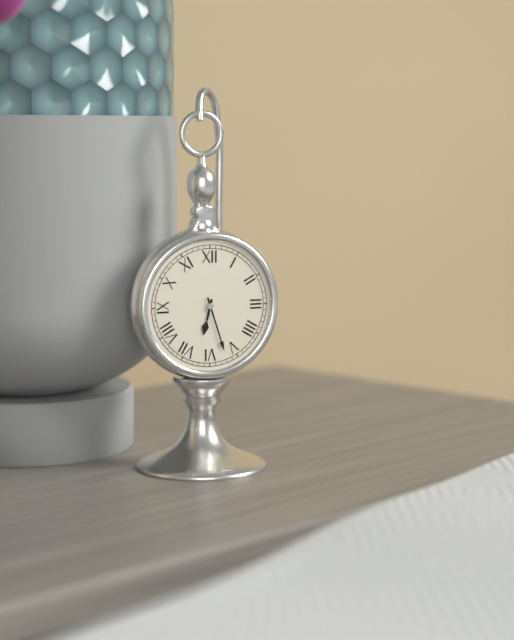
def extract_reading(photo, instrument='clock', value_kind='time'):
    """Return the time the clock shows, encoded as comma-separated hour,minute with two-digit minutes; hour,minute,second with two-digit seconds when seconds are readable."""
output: 6,27
